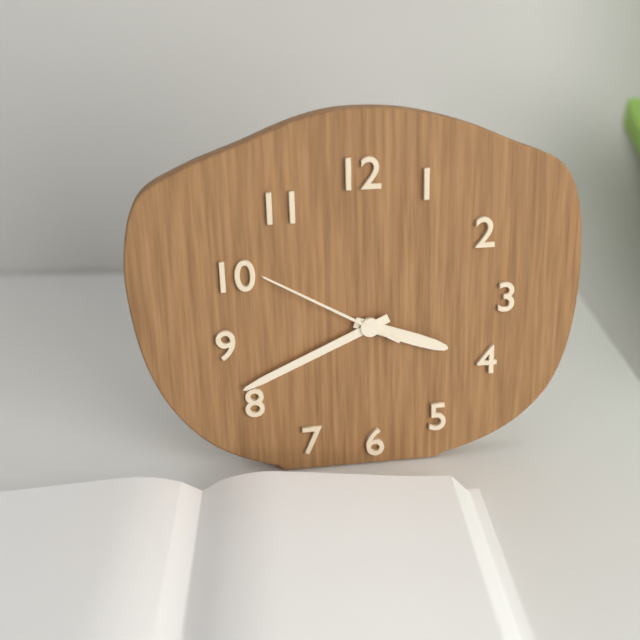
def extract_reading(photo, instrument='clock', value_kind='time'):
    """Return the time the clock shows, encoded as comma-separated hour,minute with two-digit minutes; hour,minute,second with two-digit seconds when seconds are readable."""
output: 3,41,50
